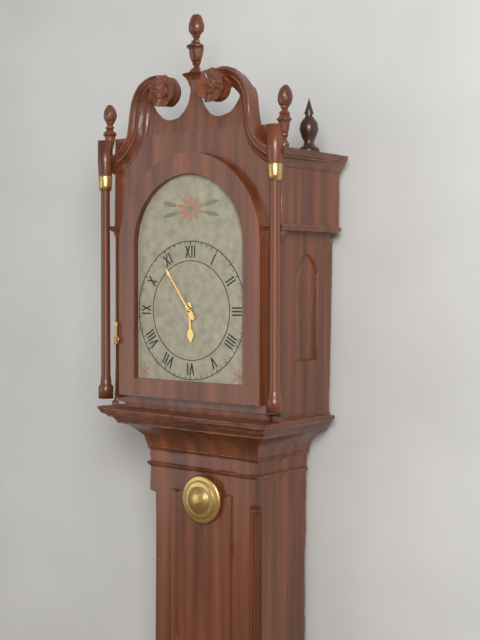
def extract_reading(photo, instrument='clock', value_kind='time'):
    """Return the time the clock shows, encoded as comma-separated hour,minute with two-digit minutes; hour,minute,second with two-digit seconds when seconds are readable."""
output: 5,54
